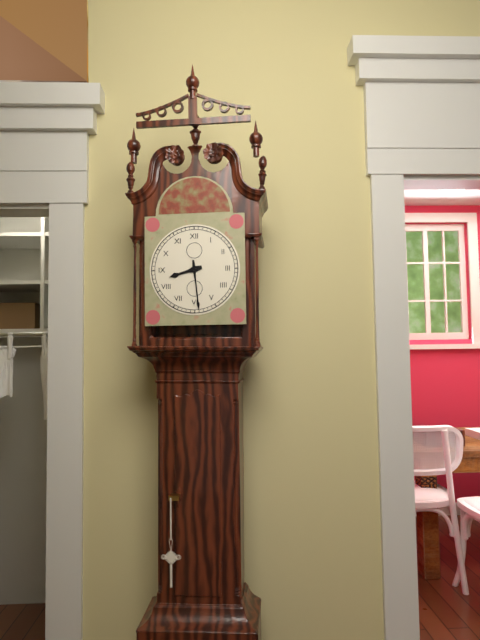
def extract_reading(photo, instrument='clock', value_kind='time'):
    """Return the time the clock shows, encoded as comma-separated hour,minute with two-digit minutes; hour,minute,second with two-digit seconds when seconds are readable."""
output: 8,29
